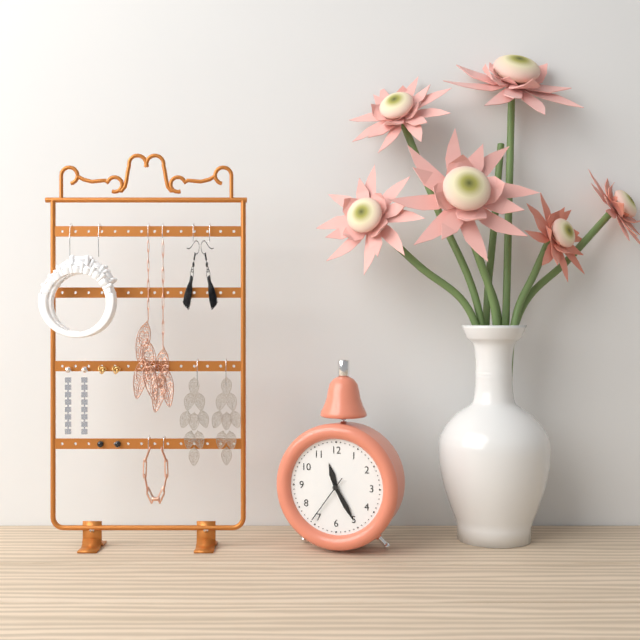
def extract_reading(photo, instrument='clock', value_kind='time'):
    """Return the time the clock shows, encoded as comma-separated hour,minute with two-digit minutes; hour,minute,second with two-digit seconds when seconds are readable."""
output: 11,25,36
